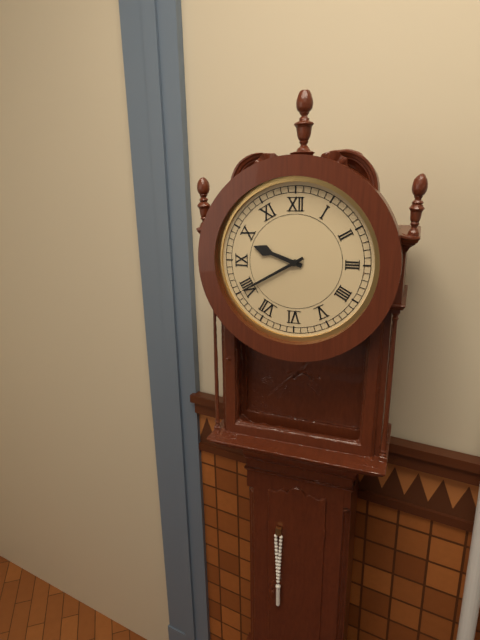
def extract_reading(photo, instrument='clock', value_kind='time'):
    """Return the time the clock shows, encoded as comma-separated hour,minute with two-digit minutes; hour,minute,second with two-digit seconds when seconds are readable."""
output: 9,40
